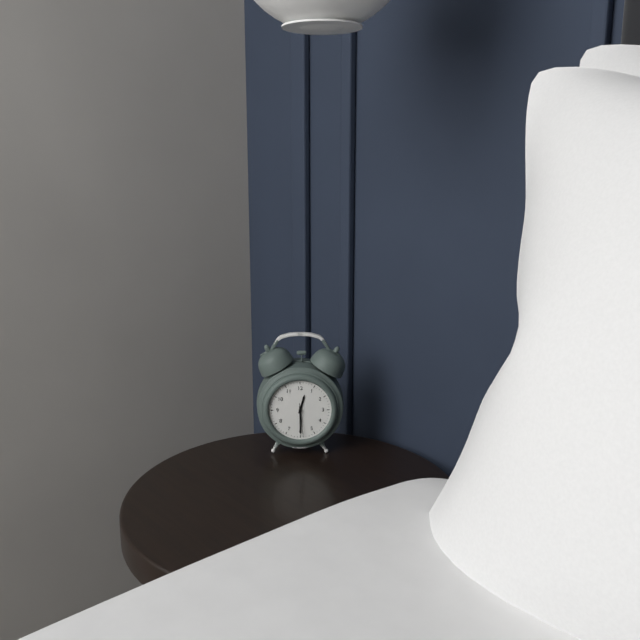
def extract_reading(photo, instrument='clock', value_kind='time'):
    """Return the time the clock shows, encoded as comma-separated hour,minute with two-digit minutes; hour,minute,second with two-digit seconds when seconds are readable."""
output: 12,30
